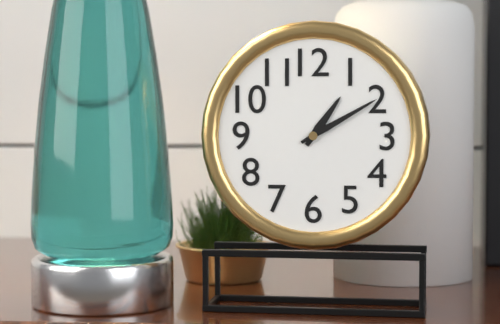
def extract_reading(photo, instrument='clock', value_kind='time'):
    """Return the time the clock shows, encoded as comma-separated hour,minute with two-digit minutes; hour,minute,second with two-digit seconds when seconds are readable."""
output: 1,10
